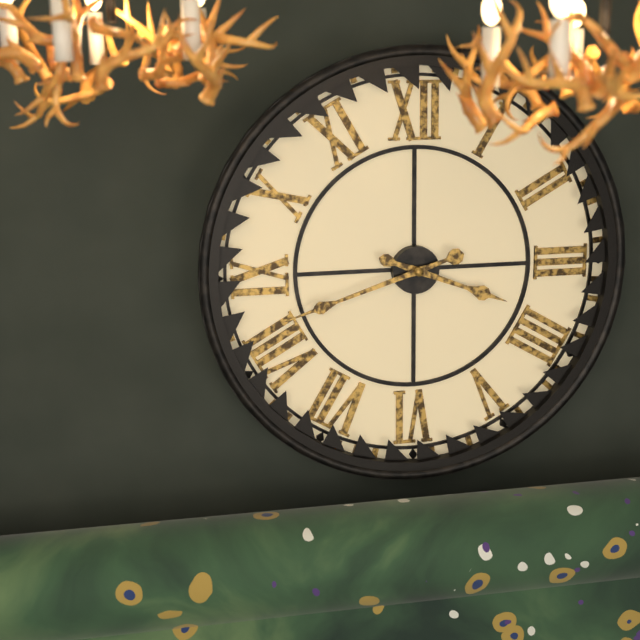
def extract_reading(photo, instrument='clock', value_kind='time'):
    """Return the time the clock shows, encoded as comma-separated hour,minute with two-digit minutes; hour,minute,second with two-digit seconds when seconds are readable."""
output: 3,42
